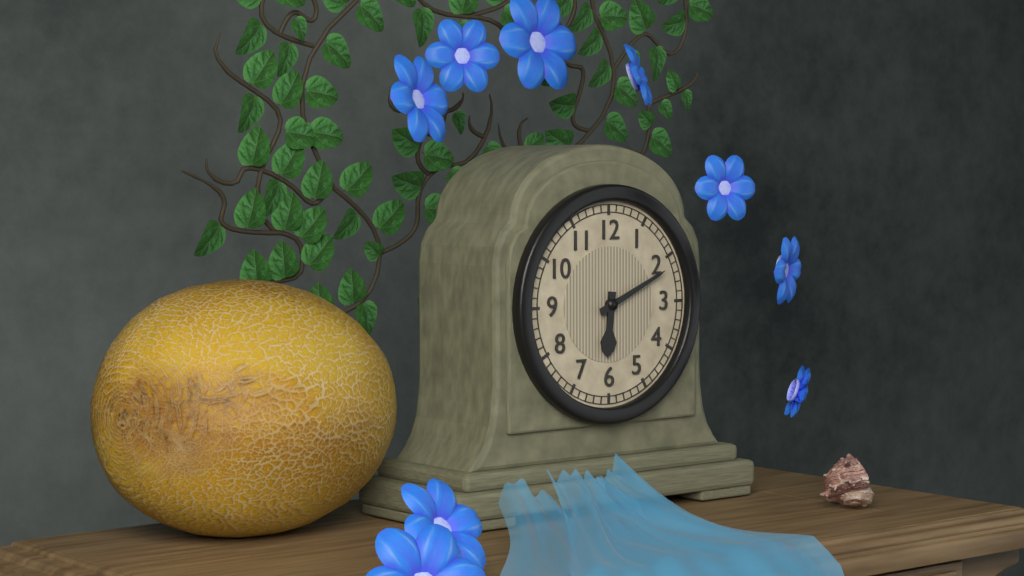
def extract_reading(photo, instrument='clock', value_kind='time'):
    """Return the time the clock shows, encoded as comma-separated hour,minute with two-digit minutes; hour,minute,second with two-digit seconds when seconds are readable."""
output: 6,11
